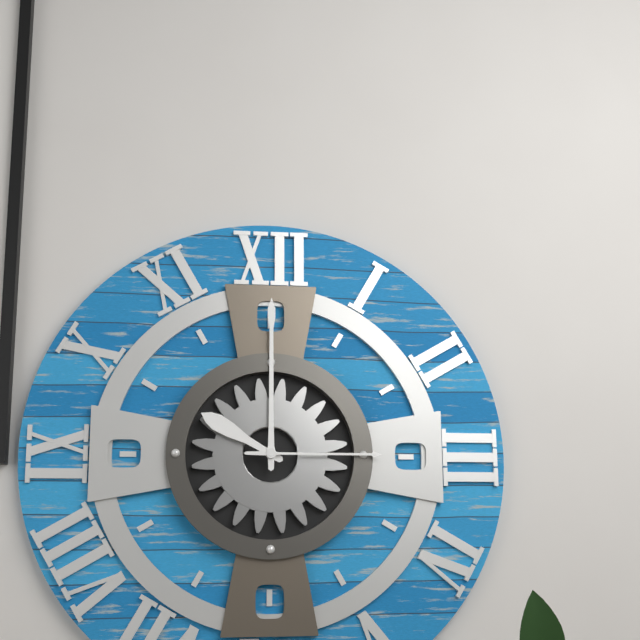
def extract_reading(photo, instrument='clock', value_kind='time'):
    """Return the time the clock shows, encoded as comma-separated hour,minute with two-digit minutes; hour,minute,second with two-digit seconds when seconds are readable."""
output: 10,00,15
